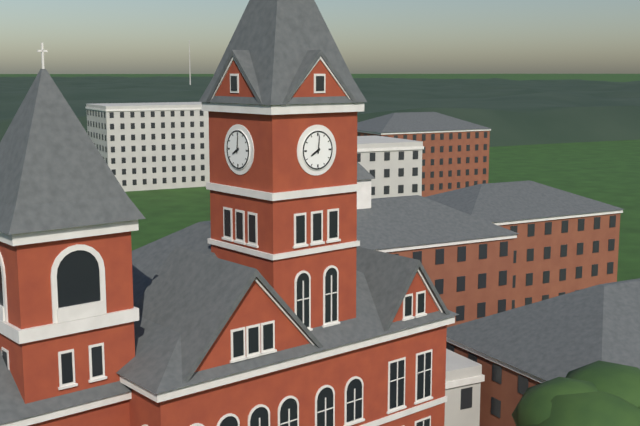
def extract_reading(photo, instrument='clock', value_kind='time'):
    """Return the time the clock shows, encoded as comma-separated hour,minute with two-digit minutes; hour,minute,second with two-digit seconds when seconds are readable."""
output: 8,01
